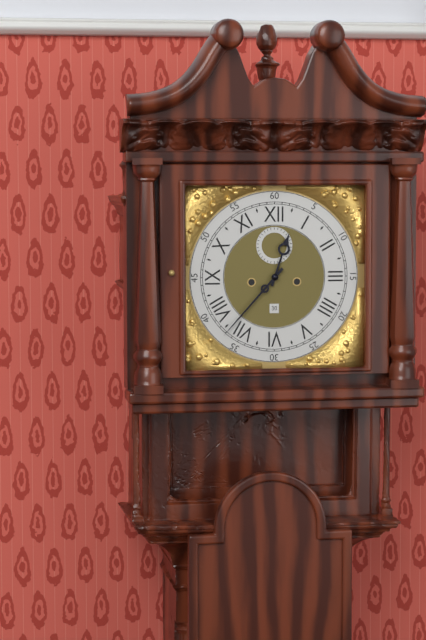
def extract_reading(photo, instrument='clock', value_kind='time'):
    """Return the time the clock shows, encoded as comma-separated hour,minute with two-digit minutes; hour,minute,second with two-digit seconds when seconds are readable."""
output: 12,37
